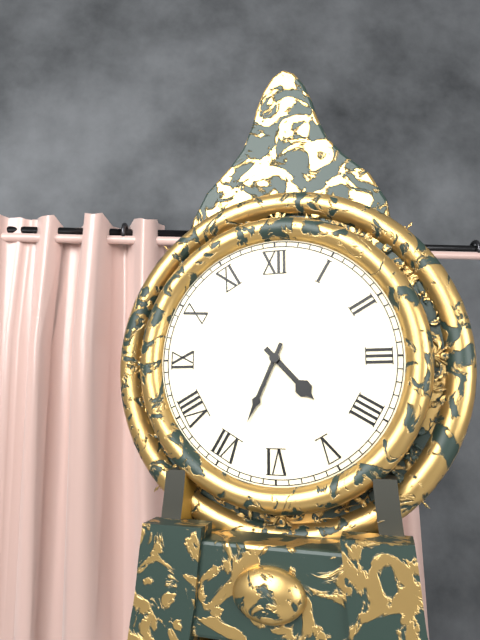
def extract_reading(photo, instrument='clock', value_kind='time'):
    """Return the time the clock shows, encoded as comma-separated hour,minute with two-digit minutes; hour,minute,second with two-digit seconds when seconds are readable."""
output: 4,34
